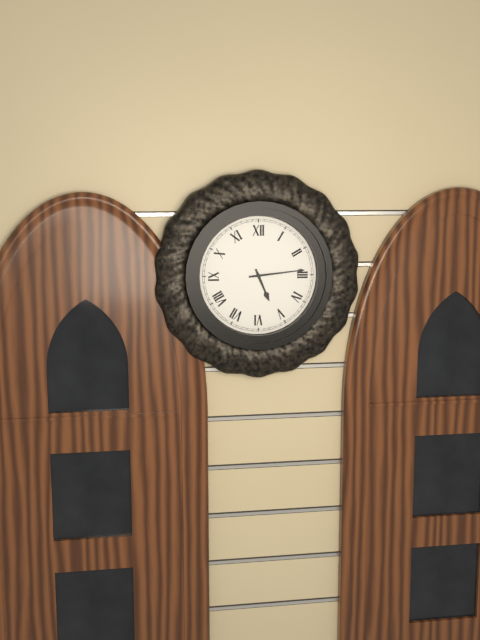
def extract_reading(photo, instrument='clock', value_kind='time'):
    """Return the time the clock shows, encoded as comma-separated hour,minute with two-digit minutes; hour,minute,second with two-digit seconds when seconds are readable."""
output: 5,14
